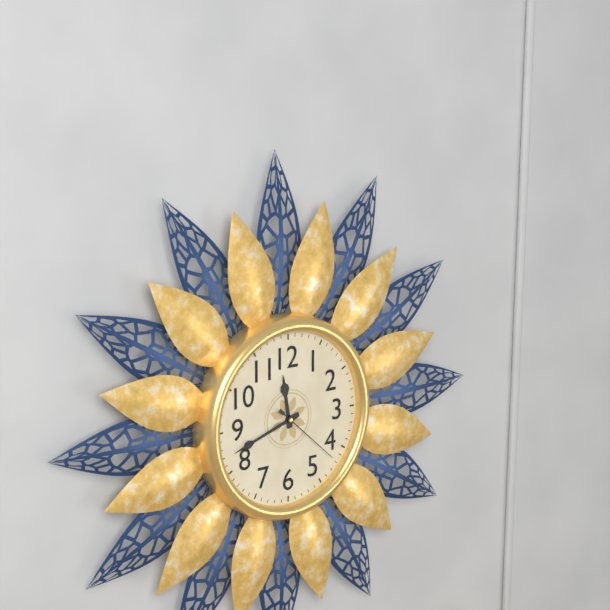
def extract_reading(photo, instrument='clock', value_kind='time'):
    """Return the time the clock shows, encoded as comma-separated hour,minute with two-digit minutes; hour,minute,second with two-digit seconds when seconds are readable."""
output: 11,42,22
